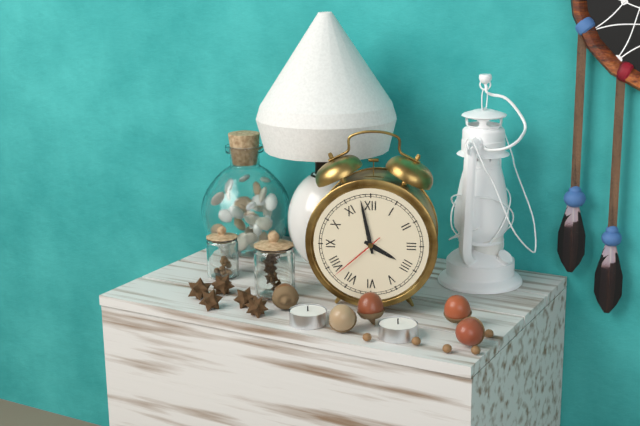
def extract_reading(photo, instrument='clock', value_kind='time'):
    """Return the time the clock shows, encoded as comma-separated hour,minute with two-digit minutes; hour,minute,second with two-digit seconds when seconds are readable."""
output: 3,58,38
